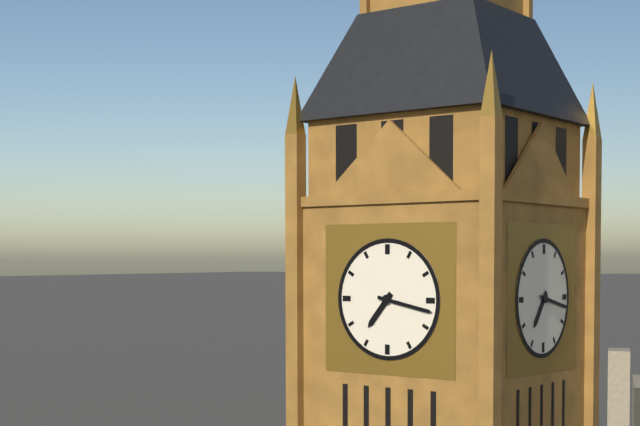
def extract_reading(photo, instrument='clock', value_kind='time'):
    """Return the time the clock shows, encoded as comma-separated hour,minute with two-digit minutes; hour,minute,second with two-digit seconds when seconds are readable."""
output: 7,17
